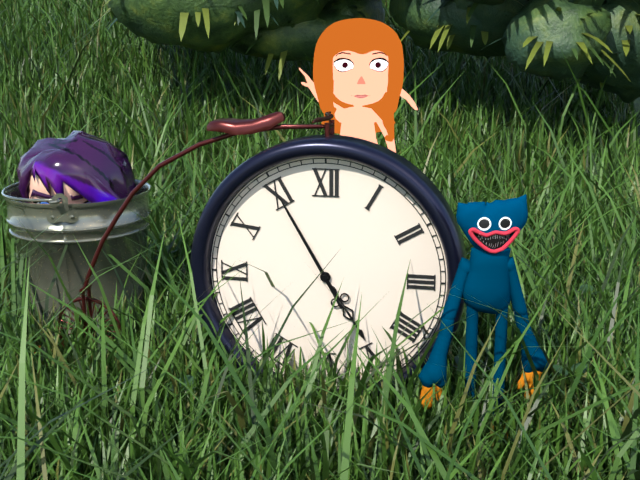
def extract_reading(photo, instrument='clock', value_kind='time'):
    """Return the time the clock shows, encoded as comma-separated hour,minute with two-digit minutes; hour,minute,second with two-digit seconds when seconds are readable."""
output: 4,55
